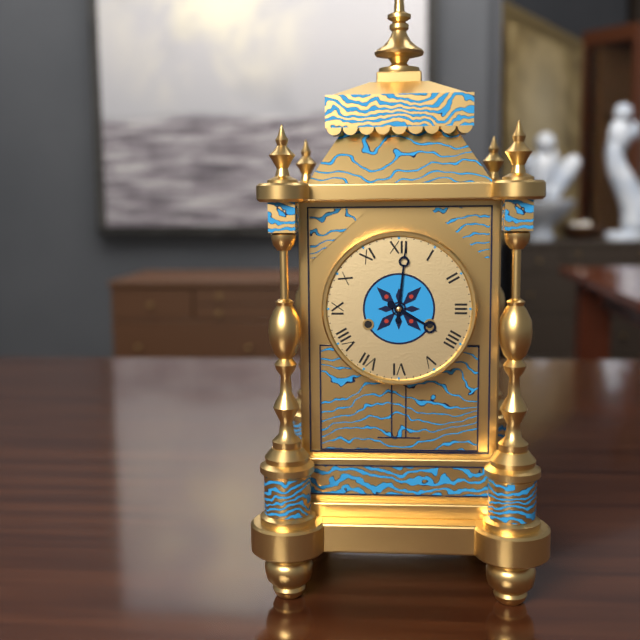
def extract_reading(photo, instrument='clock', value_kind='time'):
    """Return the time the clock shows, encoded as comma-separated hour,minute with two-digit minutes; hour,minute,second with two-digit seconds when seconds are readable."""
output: 4,01
